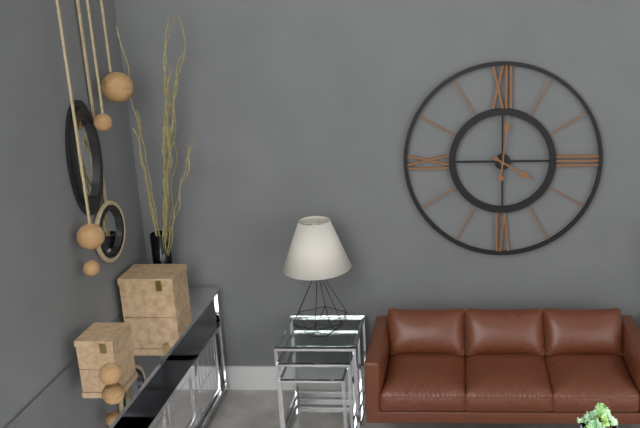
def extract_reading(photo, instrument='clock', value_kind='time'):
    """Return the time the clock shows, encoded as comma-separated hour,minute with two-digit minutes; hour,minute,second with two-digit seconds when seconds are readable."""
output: 4,01
